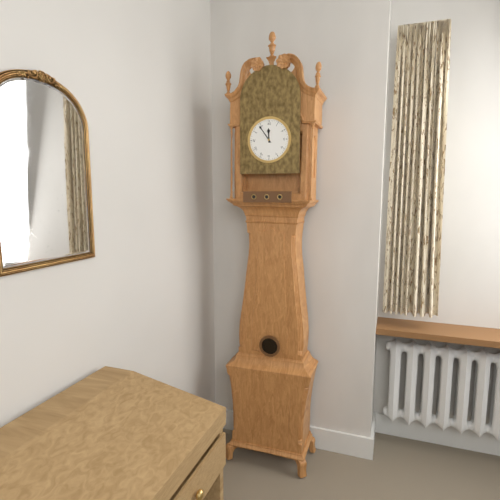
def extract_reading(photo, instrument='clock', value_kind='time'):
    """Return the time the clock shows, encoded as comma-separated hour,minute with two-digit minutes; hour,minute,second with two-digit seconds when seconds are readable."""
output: 11,54
